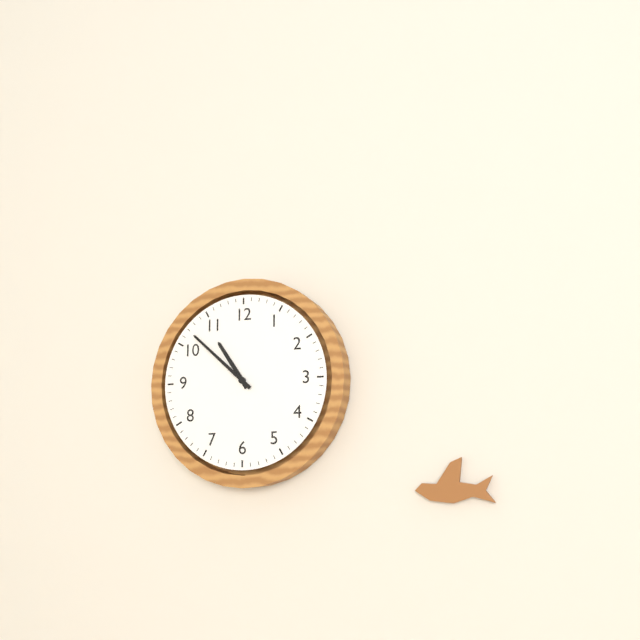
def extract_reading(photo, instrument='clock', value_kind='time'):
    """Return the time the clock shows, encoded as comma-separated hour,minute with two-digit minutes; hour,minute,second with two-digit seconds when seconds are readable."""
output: 10,52
